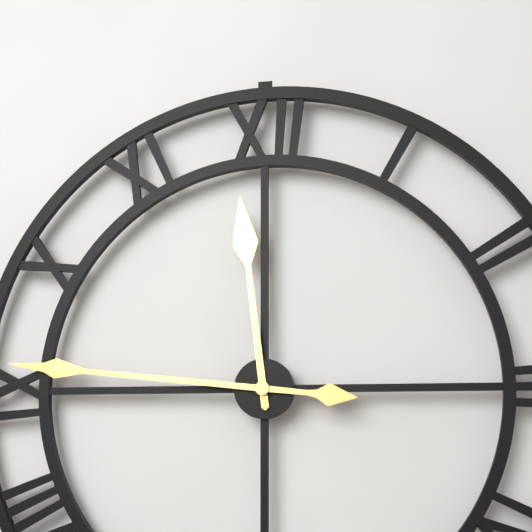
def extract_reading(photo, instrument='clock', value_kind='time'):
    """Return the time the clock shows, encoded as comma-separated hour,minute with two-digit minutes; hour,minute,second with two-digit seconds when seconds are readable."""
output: 11,46
